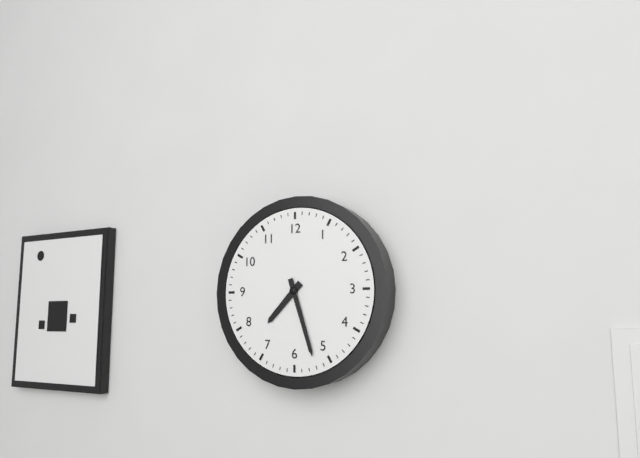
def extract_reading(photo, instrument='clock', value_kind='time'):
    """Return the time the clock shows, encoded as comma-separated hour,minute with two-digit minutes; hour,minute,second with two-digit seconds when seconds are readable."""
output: 7,27
